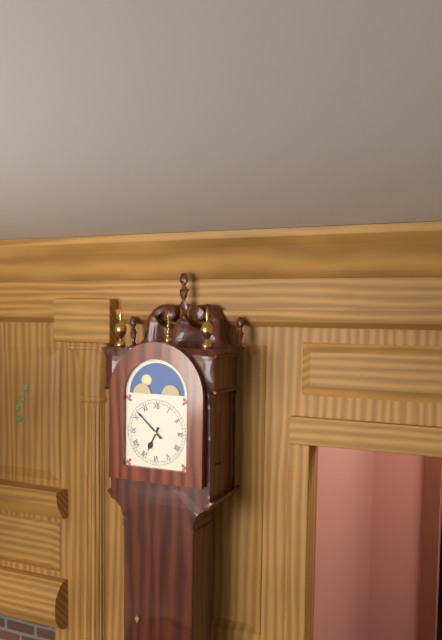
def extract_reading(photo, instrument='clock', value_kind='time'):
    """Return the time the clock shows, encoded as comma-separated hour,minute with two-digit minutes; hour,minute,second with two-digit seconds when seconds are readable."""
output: 6,52
